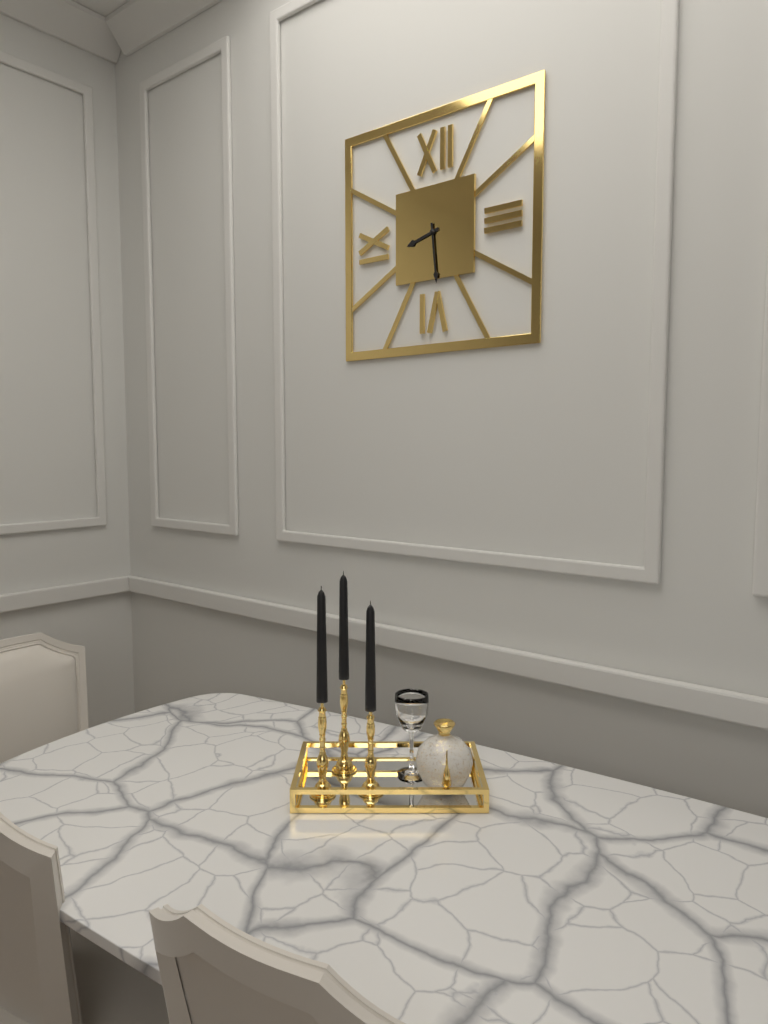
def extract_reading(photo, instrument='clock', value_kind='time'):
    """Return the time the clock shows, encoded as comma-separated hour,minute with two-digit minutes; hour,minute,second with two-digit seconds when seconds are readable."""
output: 8,29
